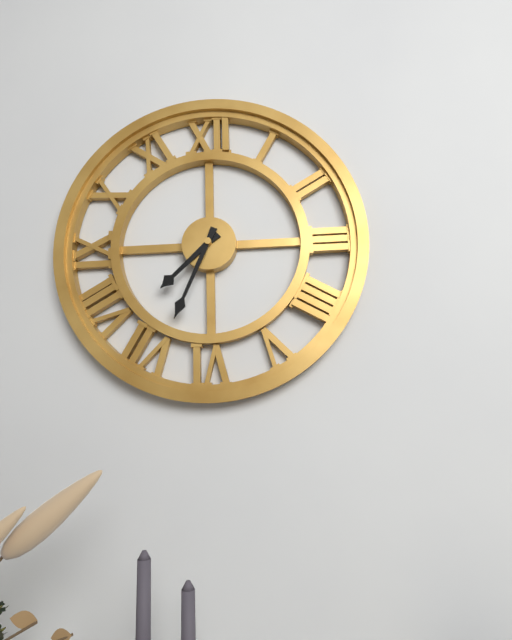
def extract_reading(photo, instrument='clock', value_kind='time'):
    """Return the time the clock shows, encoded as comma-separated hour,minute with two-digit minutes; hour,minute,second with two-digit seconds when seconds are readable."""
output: 7,34
